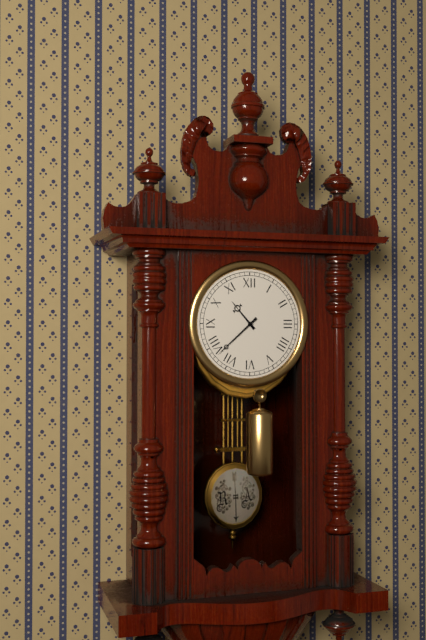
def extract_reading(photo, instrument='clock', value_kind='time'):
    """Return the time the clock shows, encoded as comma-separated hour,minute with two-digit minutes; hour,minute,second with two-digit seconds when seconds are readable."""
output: 10,38
